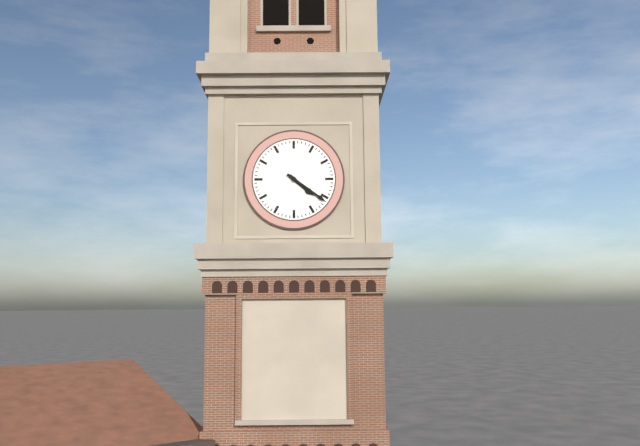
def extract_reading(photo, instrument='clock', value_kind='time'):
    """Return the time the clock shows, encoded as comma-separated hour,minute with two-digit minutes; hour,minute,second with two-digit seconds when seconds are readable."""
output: 4,21
